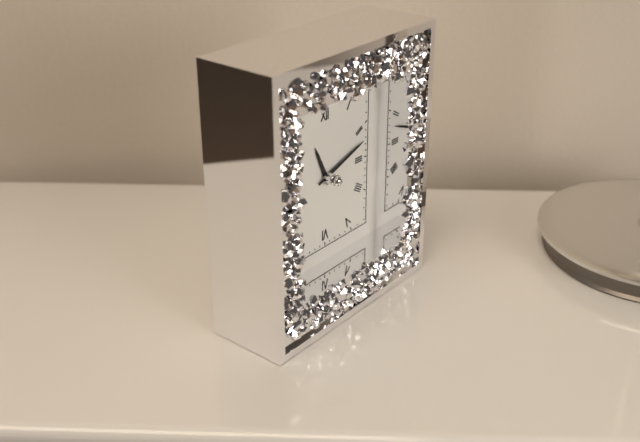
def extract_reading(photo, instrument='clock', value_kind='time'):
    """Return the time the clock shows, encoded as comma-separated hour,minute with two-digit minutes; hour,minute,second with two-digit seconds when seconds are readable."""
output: 11,12
